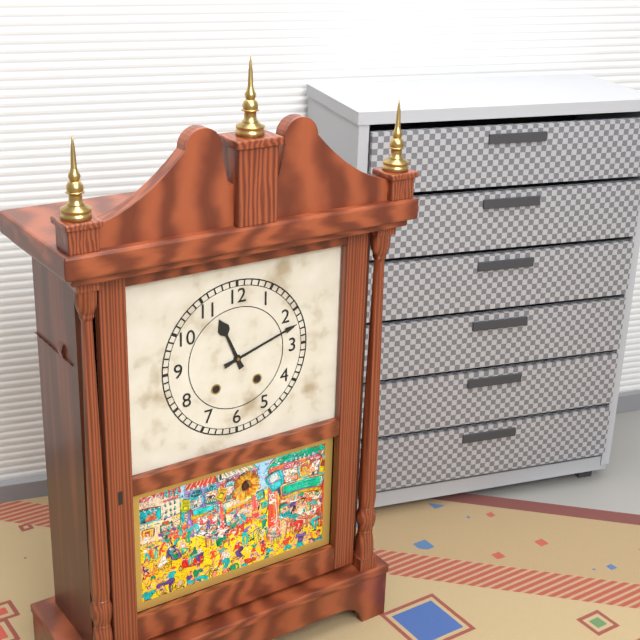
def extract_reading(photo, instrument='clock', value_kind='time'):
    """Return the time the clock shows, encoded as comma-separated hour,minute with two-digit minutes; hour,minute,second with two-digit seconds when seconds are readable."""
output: 11,12
